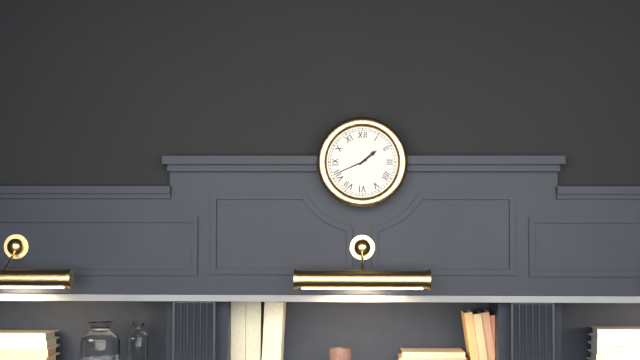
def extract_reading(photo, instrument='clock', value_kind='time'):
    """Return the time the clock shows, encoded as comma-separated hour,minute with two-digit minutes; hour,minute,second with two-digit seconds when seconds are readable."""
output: 1,41
